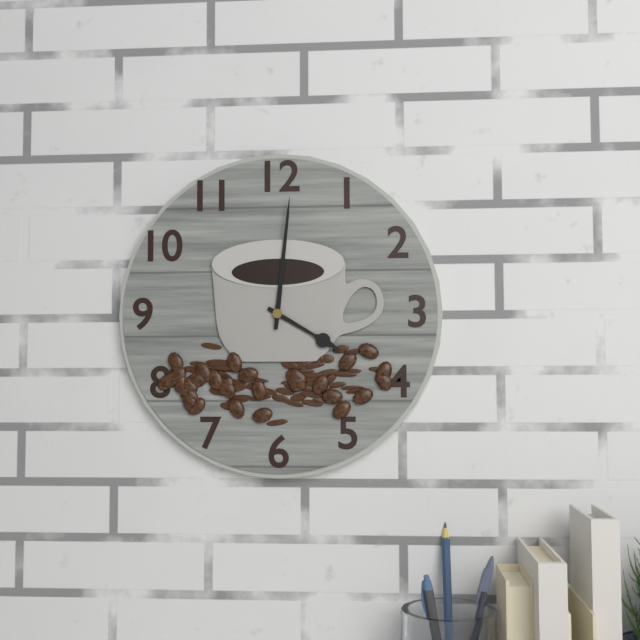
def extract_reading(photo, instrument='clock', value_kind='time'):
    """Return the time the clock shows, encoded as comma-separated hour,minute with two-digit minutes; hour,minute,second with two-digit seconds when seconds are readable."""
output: 4,01
